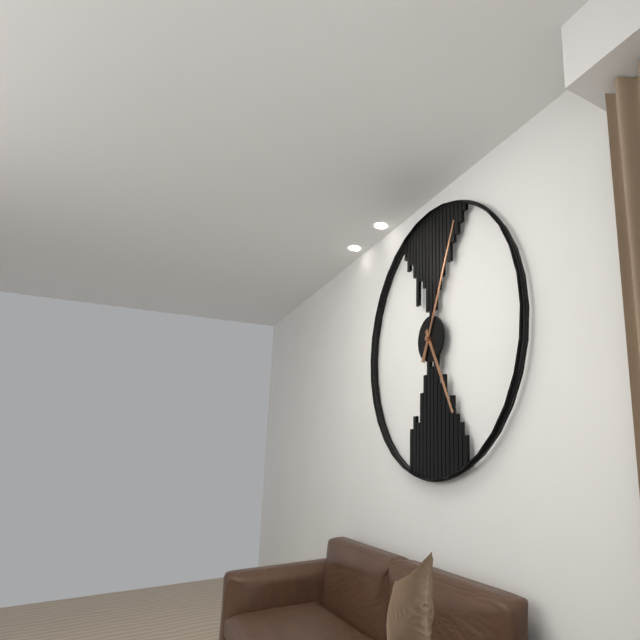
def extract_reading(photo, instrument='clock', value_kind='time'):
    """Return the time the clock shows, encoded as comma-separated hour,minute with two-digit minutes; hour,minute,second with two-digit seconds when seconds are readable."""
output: 5,04
